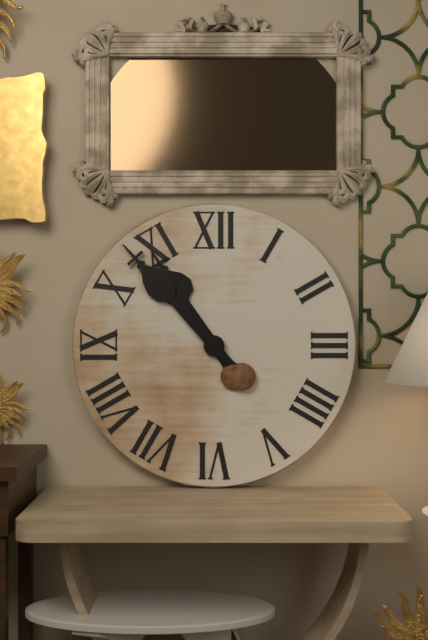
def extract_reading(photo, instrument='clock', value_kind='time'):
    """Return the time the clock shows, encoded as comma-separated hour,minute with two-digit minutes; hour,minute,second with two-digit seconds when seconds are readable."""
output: 10,53
